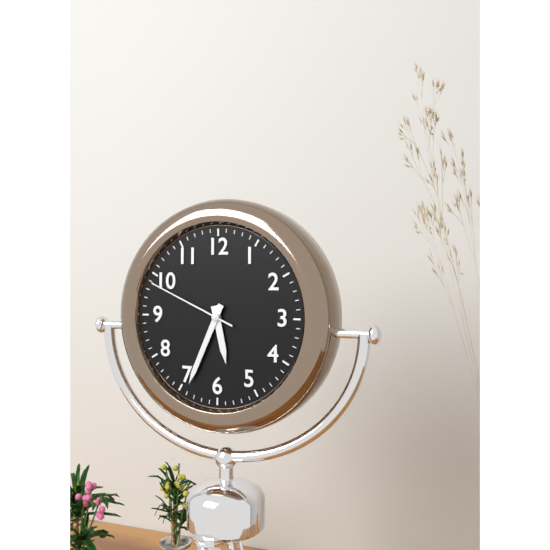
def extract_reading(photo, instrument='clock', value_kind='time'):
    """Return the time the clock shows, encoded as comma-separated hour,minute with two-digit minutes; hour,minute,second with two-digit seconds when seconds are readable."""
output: 5,34,49
